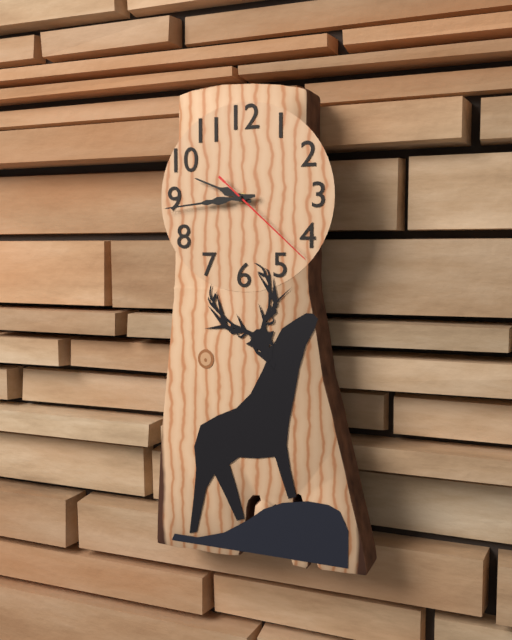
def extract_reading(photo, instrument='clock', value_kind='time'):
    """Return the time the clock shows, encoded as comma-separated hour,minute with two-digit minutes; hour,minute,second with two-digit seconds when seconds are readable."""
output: 9,44,22
